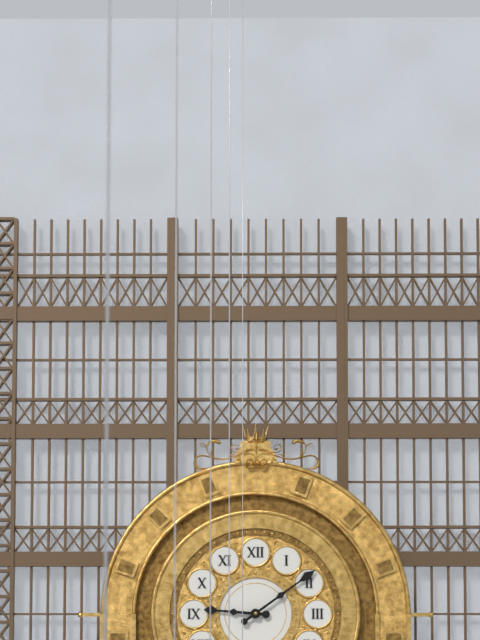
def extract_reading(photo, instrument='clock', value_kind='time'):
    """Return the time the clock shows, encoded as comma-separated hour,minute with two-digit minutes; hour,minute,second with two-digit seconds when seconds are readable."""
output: 9,09
